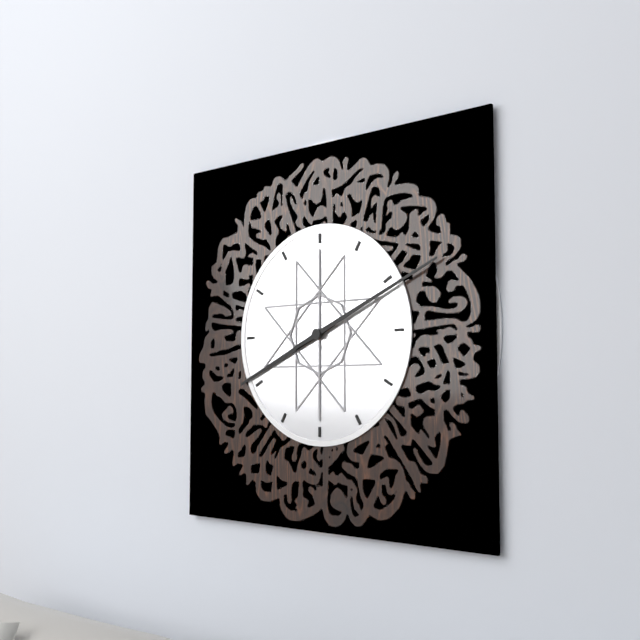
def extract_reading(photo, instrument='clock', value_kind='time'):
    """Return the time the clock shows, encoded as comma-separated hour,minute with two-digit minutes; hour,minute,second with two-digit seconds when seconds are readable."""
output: 8,11
